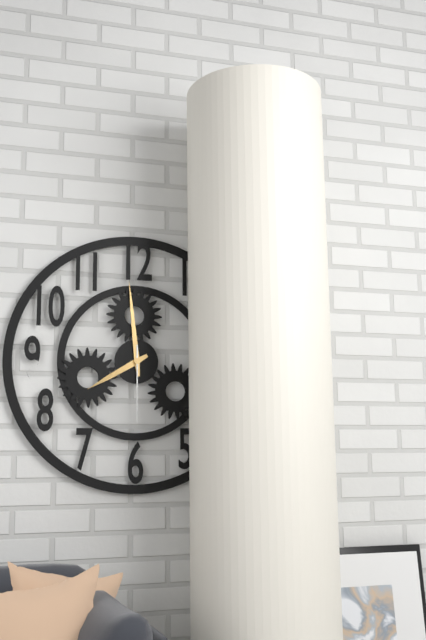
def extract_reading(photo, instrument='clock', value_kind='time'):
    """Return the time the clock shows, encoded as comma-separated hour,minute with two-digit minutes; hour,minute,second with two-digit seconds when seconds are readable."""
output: 7,59,30
